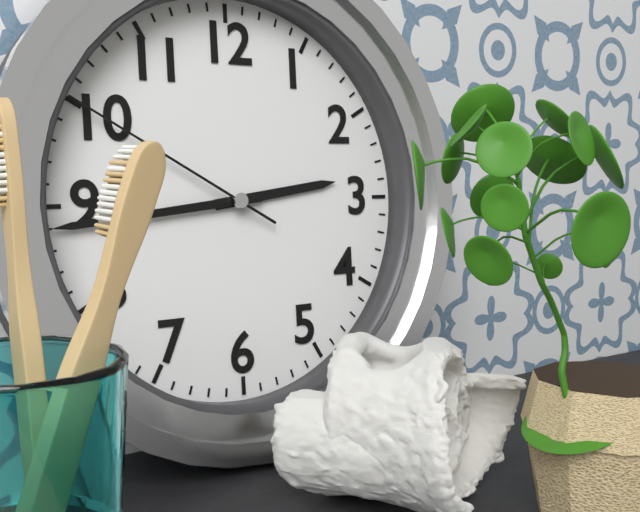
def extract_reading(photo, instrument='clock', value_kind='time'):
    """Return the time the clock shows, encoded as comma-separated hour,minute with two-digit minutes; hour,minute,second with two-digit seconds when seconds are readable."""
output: 2,44,50
